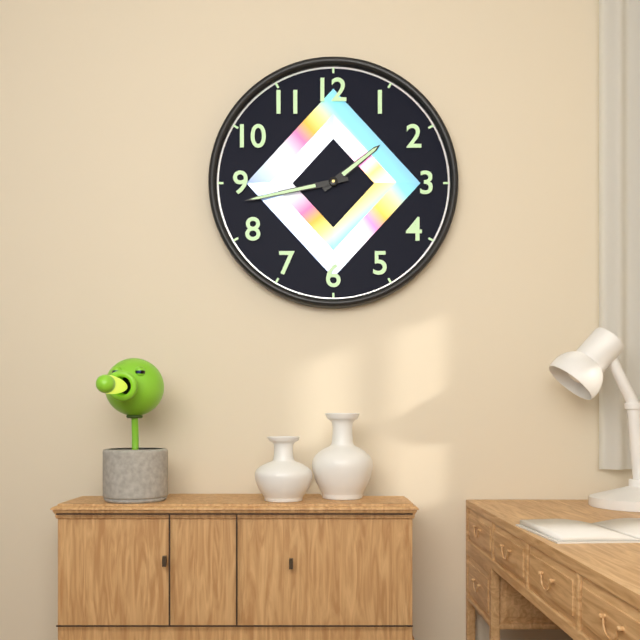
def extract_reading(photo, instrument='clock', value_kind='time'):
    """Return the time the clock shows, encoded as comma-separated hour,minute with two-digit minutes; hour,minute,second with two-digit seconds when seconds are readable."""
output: 1,43
